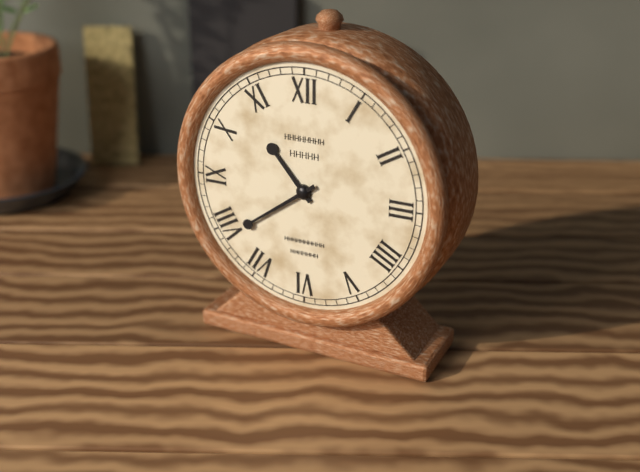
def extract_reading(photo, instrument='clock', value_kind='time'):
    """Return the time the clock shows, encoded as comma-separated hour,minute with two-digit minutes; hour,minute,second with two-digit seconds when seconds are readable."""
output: 10,39
